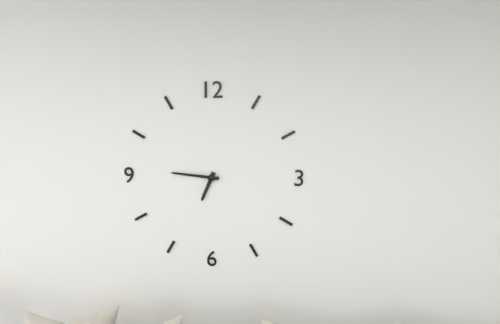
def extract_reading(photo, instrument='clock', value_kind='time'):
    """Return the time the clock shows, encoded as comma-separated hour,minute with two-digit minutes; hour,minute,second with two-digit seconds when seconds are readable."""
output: 6,46
